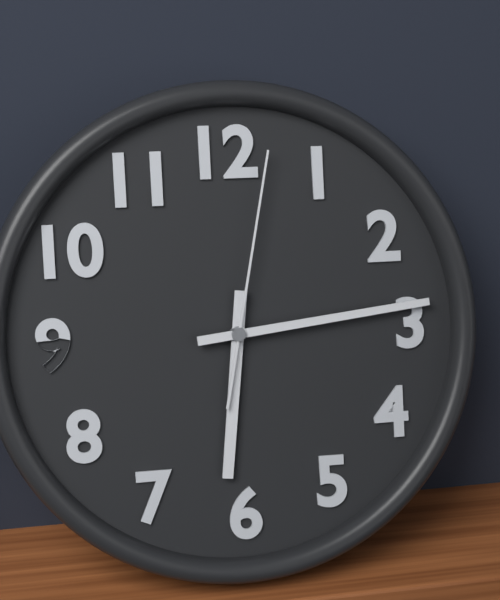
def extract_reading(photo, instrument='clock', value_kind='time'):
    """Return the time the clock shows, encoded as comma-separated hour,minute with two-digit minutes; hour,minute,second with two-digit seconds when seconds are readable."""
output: 6,14,02
